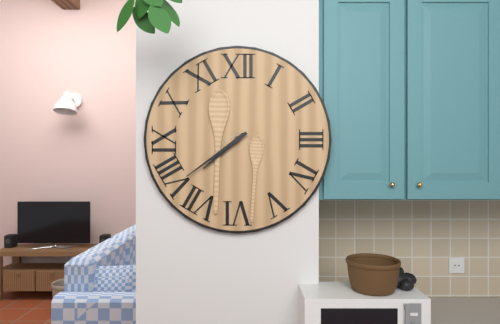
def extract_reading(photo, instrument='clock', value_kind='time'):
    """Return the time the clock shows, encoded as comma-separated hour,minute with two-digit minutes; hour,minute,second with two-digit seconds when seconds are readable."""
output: 7,39
